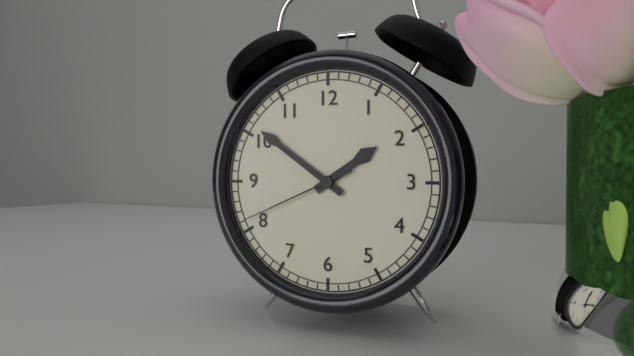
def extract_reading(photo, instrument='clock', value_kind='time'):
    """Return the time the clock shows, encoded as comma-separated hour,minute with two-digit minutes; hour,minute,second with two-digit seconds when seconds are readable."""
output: 1,51,41
